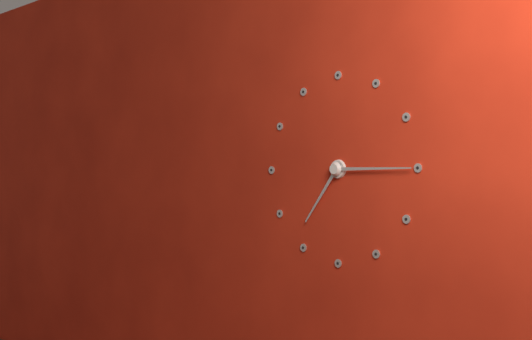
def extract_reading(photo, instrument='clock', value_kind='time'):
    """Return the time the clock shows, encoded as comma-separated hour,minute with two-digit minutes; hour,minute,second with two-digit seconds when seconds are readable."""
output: 7,15
